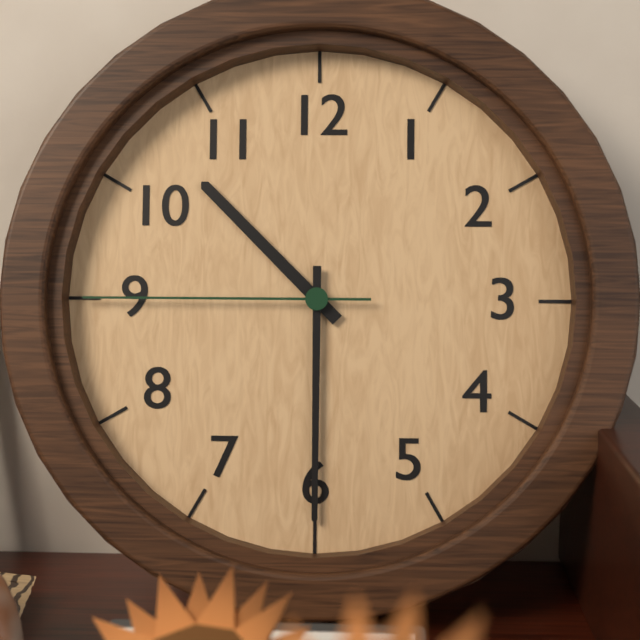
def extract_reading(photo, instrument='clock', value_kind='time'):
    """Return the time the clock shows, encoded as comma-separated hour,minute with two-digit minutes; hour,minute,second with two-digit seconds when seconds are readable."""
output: 10,30,45
